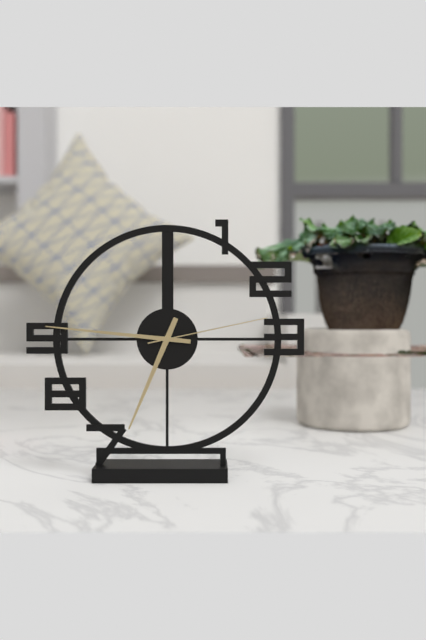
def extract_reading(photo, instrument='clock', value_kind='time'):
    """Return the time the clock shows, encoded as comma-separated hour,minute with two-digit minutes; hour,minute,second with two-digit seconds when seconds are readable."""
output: 6,46,13
